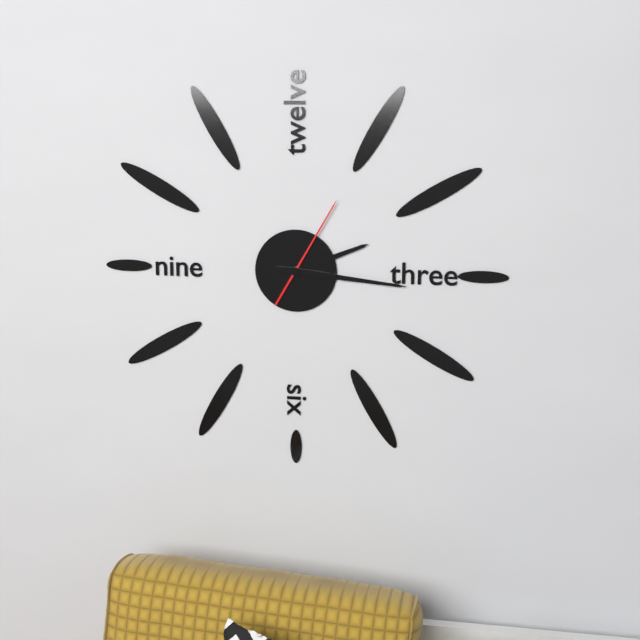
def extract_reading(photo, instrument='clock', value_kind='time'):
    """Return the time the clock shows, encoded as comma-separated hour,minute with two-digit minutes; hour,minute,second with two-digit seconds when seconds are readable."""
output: 2,16,05
